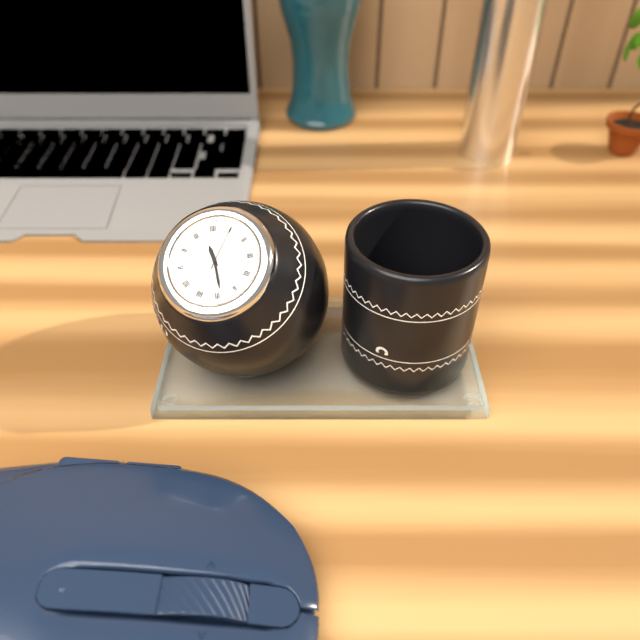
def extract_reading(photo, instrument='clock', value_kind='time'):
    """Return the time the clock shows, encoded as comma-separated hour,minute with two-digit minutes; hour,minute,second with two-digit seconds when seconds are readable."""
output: 11,29
